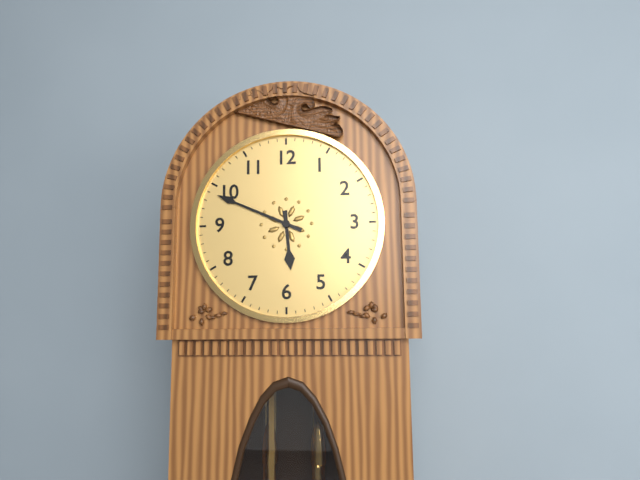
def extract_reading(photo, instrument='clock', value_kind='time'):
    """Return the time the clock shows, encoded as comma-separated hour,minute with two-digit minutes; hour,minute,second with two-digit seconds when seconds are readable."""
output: 5,49
